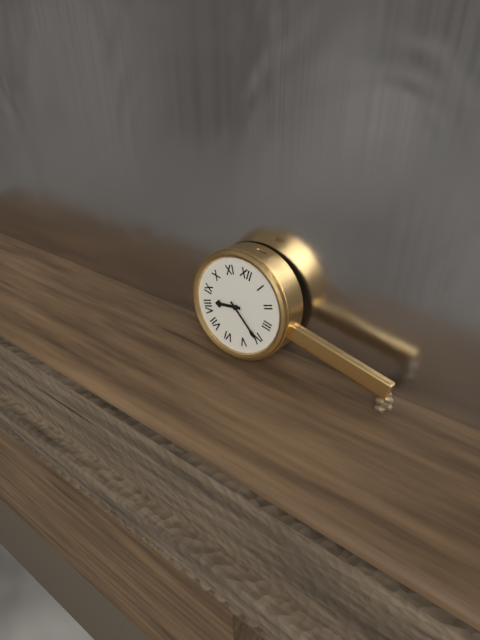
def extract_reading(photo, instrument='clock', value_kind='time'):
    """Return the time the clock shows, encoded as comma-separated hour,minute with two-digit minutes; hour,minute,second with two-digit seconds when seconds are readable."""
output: 8,20
